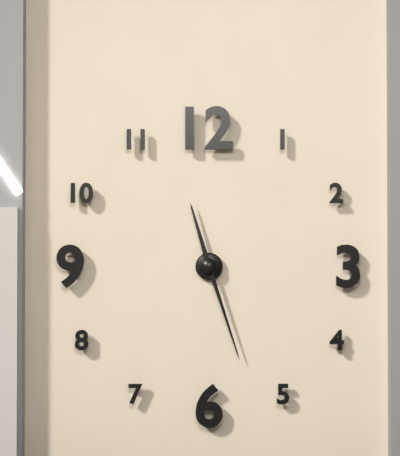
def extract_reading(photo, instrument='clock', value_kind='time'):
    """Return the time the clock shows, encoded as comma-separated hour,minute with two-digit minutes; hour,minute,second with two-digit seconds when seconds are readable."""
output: 11,27
